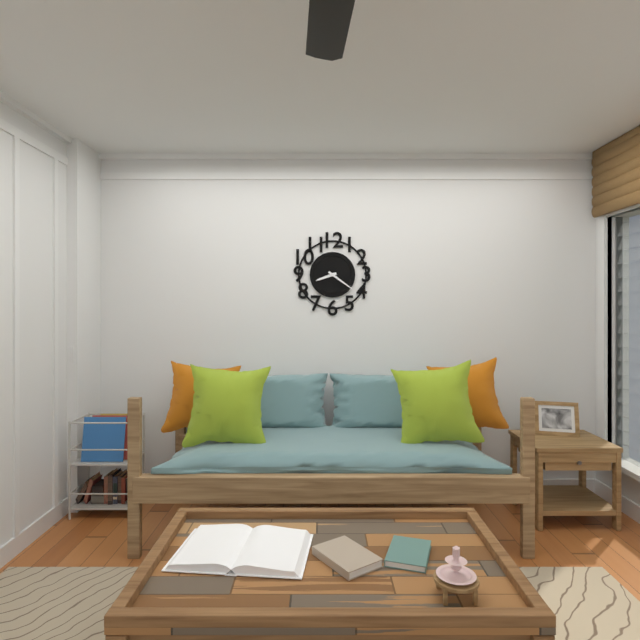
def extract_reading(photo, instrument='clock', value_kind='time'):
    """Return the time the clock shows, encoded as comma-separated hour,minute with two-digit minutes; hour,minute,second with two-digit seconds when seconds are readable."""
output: 8,21
